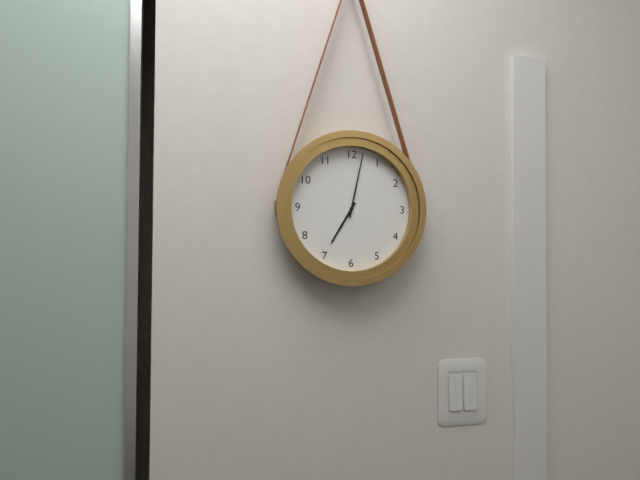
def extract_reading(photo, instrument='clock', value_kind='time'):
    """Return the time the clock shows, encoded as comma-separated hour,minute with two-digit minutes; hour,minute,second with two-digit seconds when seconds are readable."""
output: 7,02
